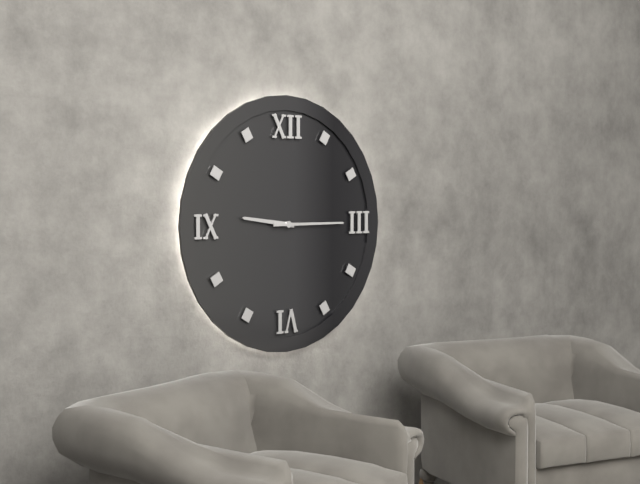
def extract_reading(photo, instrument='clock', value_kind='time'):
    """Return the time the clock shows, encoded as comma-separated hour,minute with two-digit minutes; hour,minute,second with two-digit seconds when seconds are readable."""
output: 9,15
